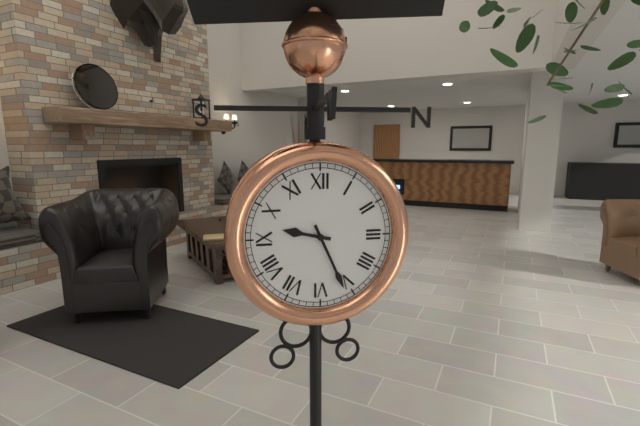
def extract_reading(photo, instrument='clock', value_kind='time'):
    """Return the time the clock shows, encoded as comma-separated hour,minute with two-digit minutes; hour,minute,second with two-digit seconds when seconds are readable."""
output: 9,26
